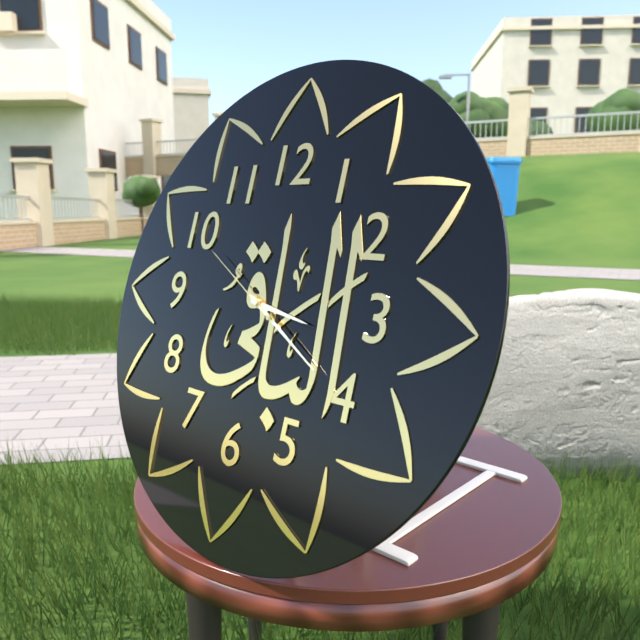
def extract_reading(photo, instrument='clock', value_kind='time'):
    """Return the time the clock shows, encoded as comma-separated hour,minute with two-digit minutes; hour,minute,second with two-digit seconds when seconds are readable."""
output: 3,20,50
